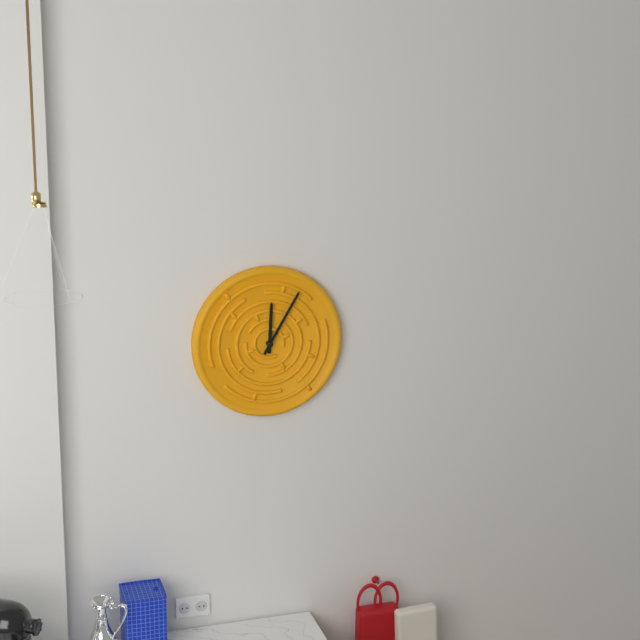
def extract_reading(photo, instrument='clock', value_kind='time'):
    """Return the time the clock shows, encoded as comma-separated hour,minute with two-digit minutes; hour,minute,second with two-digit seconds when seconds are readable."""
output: 12,05
